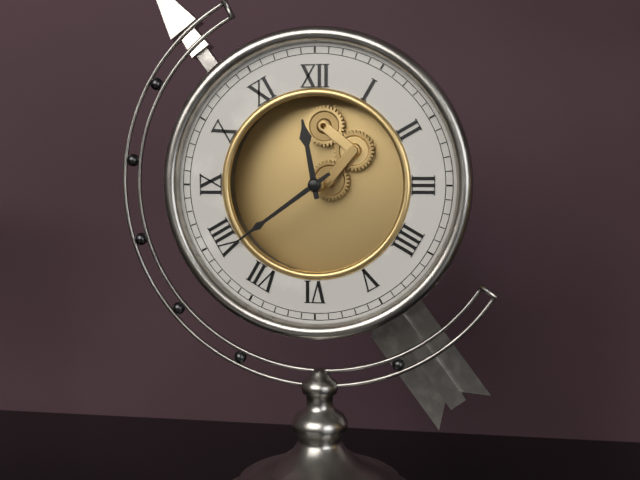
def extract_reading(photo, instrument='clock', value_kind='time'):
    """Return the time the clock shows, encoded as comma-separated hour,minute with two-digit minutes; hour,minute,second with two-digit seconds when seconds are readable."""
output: 11,39
